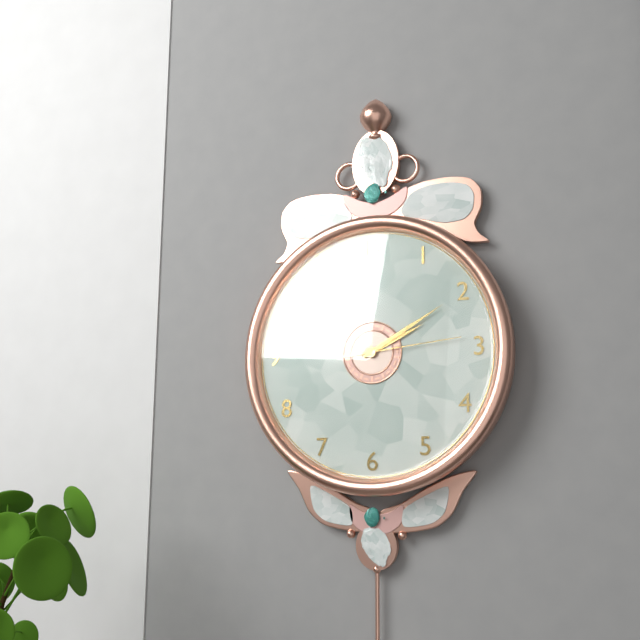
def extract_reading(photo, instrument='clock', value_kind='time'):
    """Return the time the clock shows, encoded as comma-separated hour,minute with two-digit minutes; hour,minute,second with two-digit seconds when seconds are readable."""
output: 2,10,14
